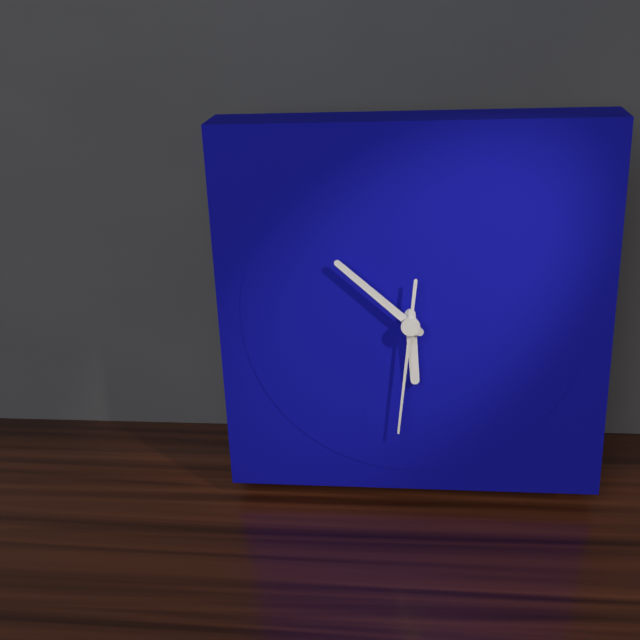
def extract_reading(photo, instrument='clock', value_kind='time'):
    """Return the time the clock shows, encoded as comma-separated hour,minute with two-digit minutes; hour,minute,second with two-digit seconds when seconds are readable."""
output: 5,52,31
